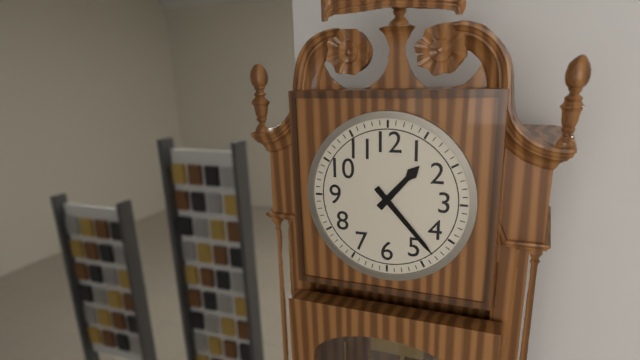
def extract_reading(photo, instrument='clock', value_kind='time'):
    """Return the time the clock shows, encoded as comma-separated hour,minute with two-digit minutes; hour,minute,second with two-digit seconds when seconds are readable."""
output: 1,23
